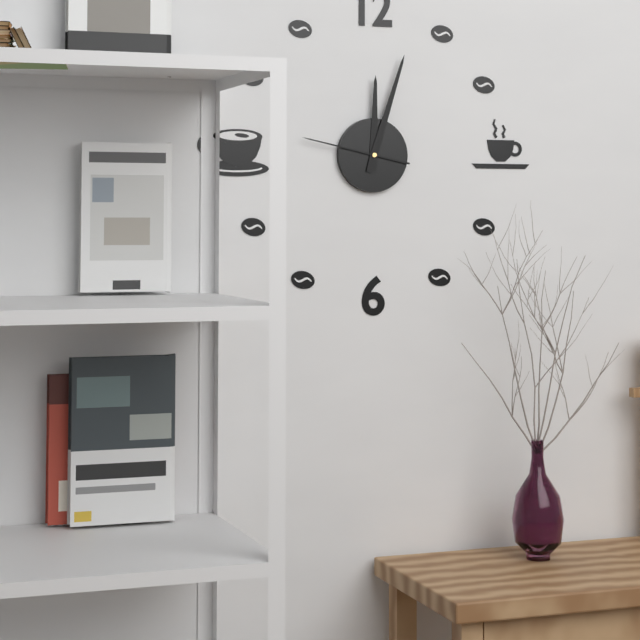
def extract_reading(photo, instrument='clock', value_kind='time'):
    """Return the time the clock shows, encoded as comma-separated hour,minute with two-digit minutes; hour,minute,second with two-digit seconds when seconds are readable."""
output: 12,03,47
